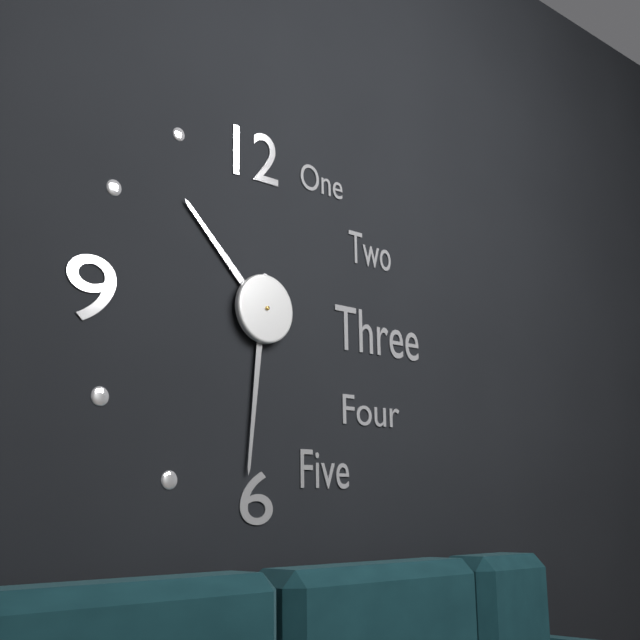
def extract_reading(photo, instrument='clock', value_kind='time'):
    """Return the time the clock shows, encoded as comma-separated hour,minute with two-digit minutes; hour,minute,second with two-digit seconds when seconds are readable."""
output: 10,31
